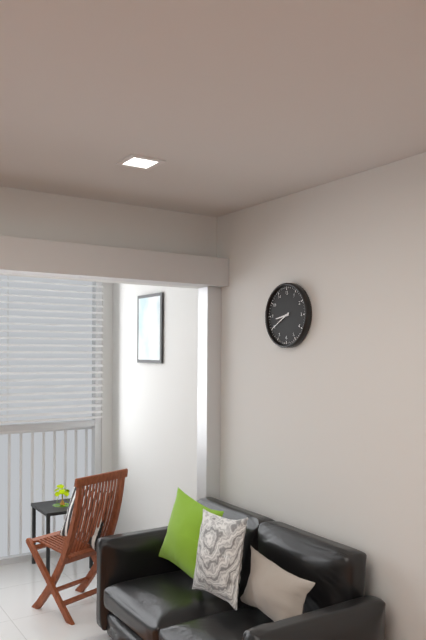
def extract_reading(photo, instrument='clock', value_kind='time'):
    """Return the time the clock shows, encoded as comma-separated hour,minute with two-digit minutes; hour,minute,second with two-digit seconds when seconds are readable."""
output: 8,40
